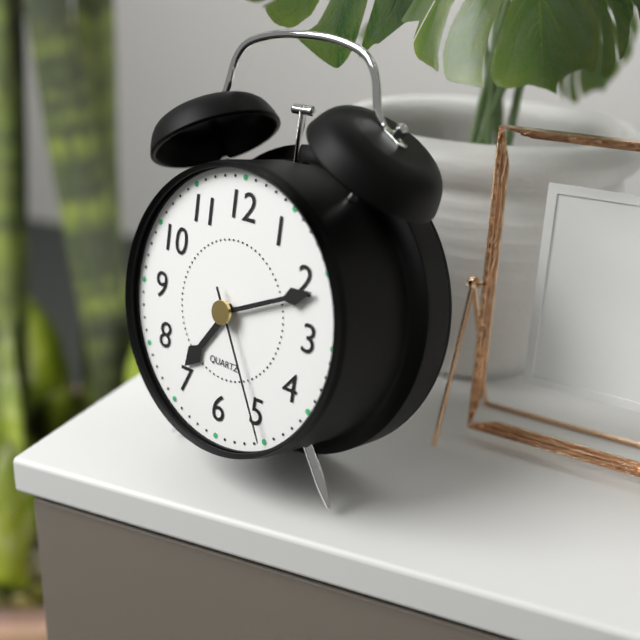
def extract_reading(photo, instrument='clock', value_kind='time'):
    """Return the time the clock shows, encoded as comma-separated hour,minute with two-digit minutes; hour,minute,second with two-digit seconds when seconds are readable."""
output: 7,11,25
